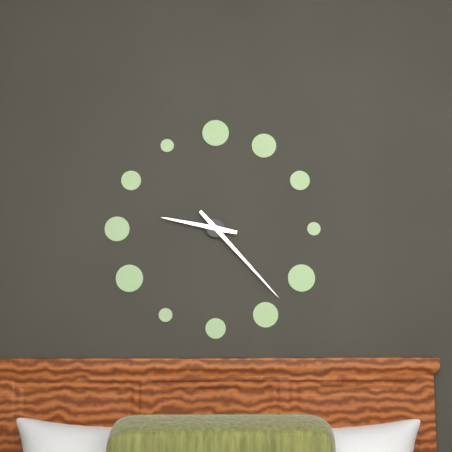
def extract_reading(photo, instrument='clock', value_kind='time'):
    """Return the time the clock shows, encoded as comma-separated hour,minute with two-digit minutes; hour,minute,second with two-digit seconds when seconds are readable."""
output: 9,23
